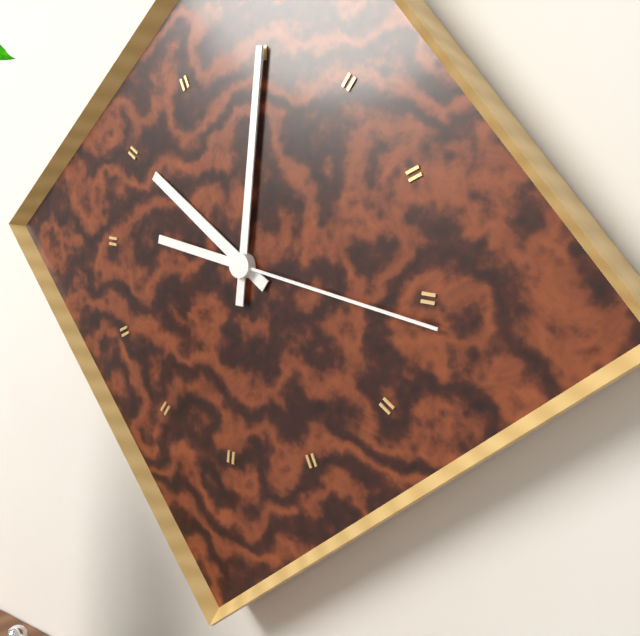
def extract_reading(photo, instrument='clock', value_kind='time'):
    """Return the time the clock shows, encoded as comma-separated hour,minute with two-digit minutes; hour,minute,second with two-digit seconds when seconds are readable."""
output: 10,00,16
